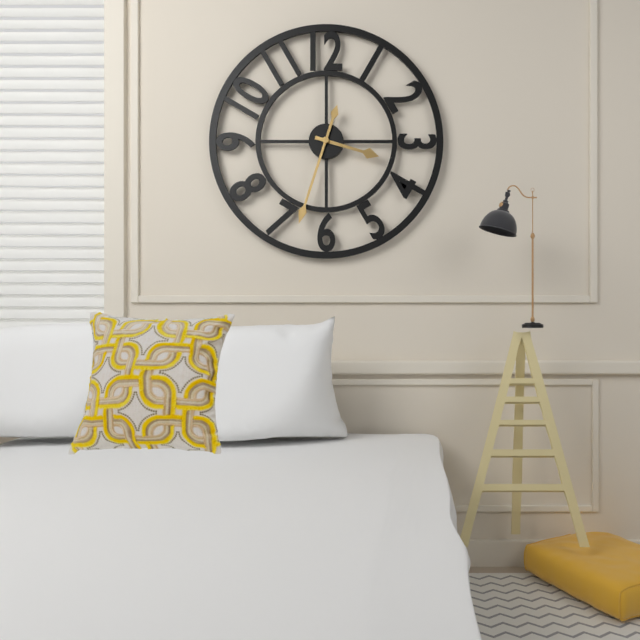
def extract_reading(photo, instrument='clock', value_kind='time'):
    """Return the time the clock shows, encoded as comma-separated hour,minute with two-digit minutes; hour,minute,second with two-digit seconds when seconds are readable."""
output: 3,33
